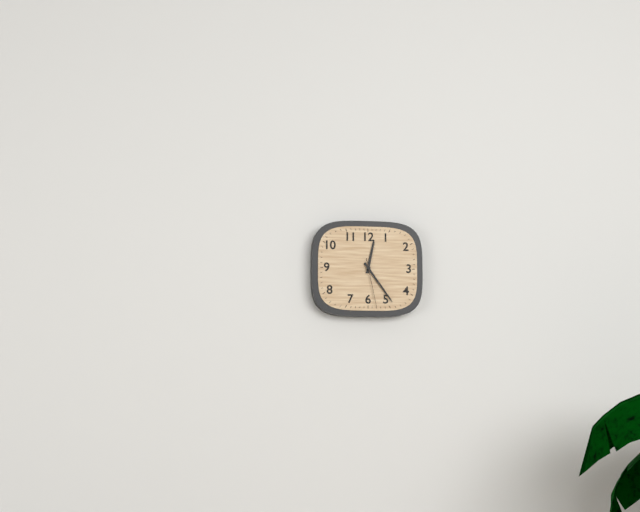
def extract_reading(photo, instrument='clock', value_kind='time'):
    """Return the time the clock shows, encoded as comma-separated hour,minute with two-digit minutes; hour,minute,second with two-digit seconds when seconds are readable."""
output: 12,24
